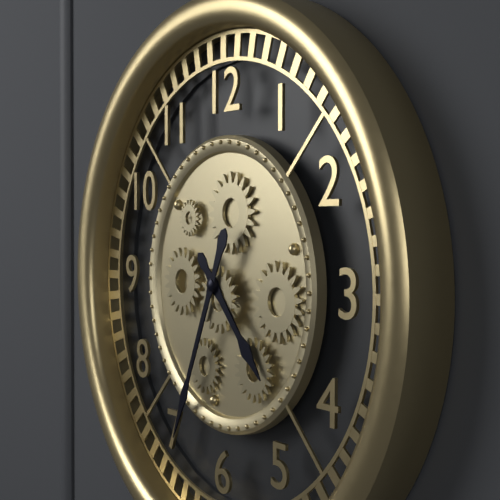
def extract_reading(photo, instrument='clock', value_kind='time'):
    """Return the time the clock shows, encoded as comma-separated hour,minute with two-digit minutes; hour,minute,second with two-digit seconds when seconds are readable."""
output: 4,34
